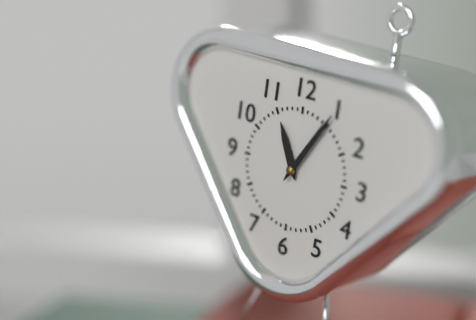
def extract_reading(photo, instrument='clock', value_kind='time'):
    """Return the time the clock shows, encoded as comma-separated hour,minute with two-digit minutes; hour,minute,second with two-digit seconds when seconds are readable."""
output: 11,05
